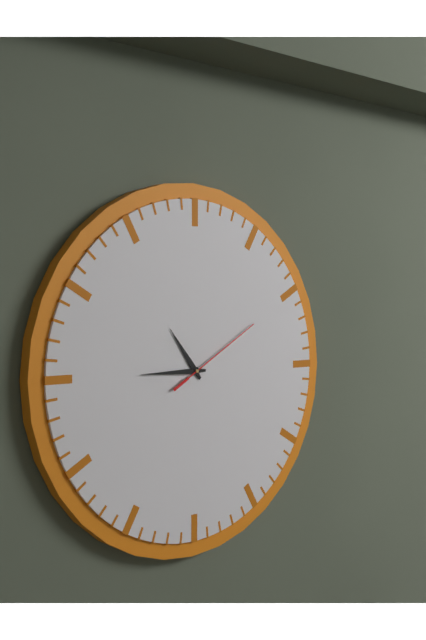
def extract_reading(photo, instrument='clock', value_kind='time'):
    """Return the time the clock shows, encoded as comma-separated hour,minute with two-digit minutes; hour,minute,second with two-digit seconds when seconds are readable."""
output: 10,45,10
